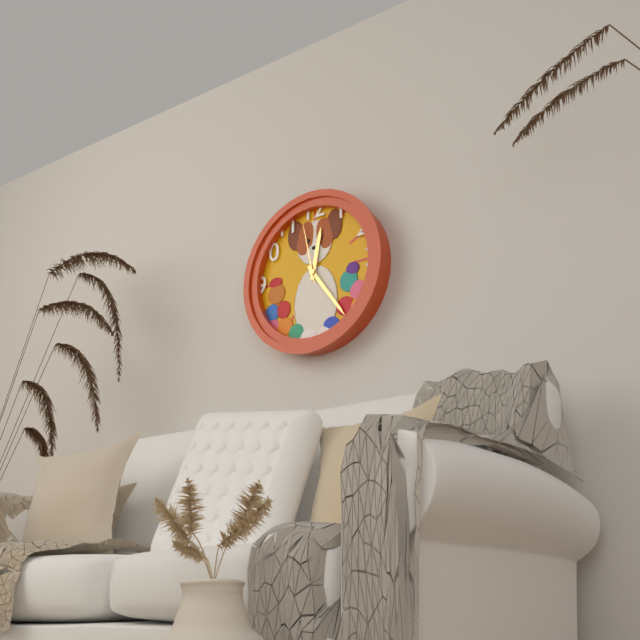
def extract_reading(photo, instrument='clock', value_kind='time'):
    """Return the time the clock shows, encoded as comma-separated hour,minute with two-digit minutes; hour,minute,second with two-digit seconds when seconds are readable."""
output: 12,24,58
